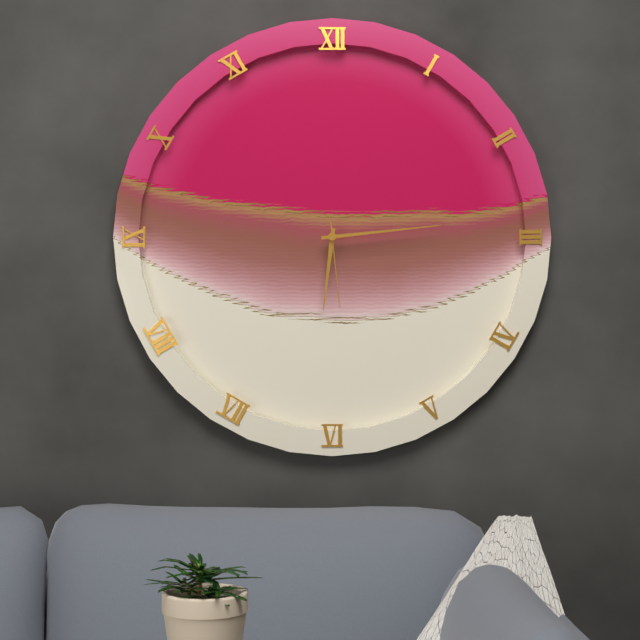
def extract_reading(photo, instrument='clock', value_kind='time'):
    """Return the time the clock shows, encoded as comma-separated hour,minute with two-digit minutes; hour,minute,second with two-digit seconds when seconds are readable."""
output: 6,14,29
